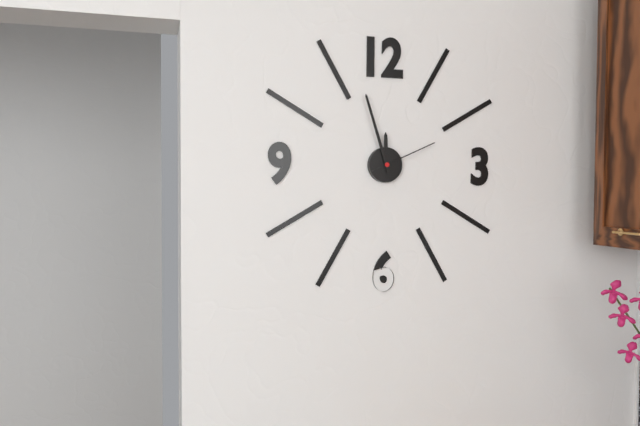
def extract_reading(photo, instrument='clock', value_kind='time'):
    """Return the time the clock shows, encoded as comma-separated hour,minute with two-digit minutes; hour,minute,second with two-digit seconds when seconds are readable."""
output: 11,57,11
